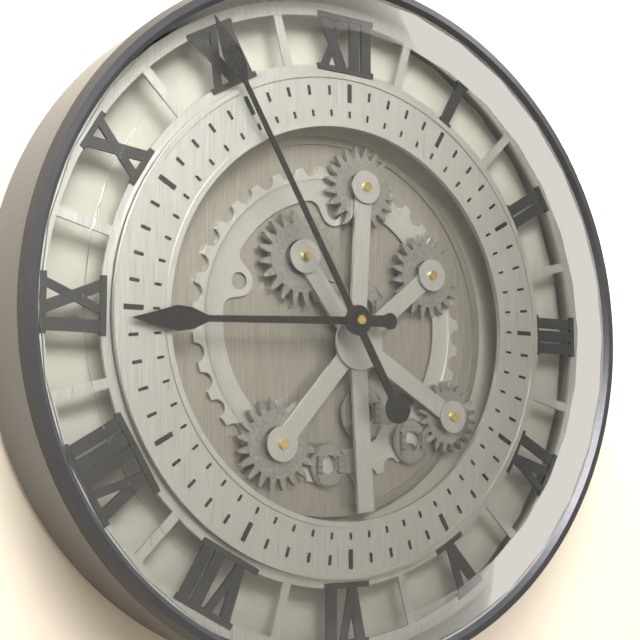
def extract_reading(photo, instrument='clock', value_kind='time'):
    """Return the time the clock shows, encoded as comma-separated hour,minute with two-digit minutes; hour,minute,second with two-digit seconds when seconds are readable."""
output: 8,55
